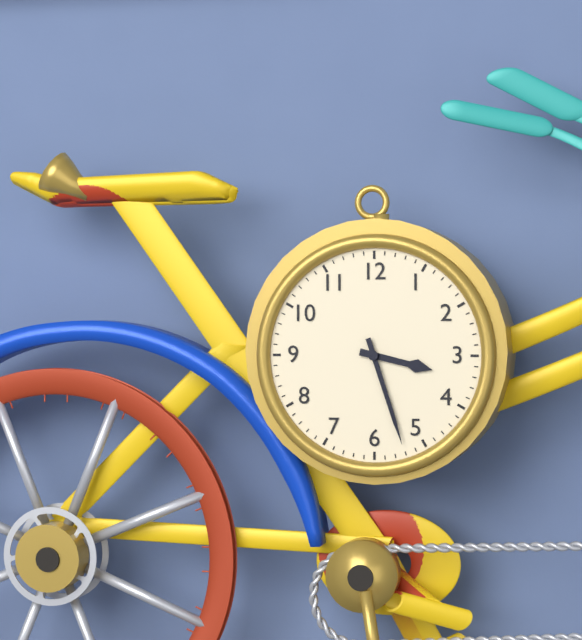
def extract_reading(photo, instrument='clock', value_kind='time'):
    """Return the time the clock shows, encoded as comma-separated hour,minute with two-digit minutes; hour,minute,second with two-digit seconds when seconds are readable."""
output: 3,27
